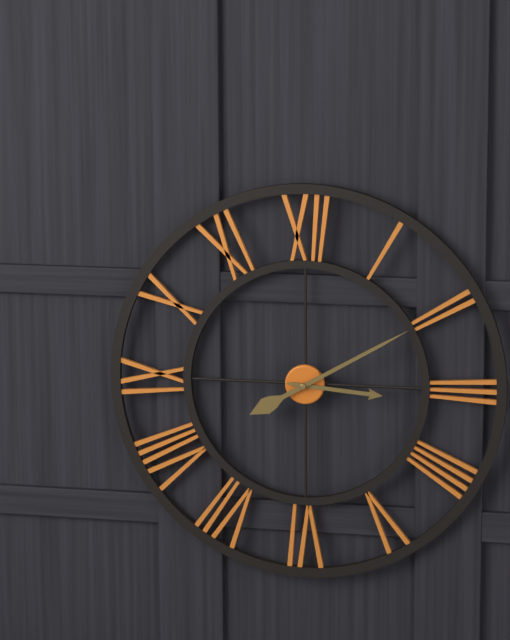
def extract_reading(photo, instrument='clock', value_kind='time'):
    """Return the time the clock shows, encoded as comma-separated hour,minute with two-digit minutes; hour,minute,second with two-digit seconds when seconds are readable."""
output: 3,10
